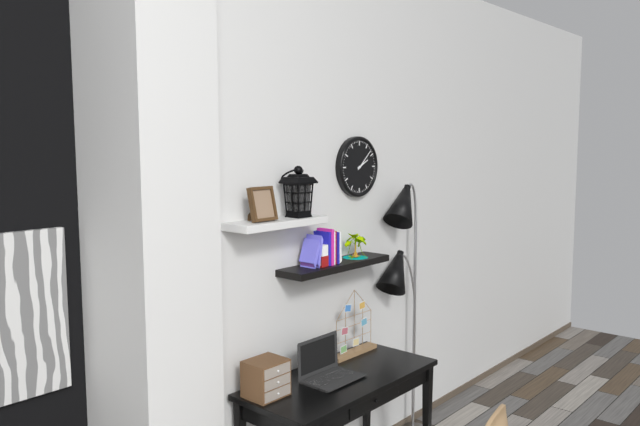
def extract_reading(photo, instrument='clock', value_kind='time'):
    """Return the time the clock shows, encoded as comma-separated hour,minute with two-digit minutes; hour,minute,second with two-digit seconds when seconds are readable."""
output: 2,08
